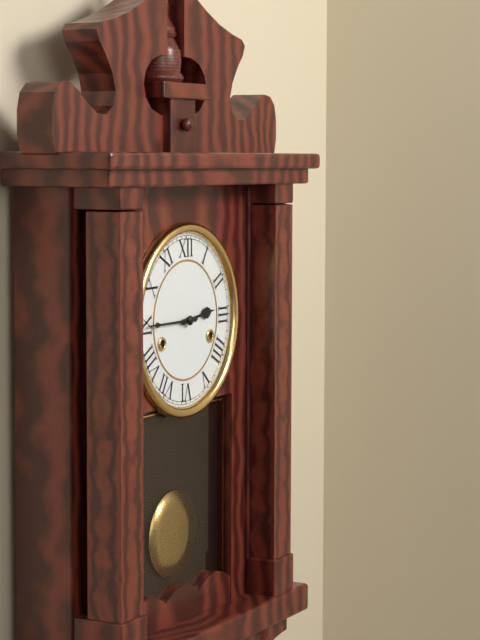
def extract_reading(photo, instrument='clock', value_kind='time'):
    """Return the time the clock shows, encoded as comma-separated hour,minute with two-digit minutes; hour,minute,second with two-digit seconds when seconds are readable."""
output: 2,45
